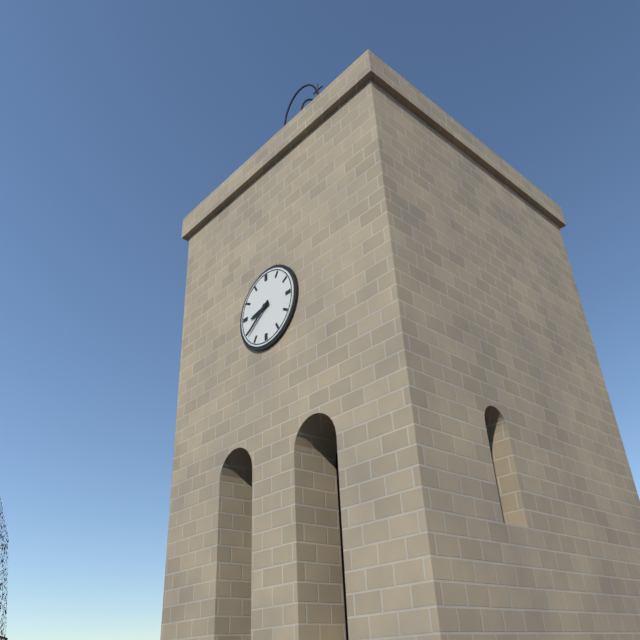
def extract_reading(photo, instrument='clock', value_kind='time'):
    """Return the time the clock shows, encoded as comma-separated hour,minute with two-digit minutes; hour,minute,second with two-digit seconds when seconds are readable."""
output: 8,39
